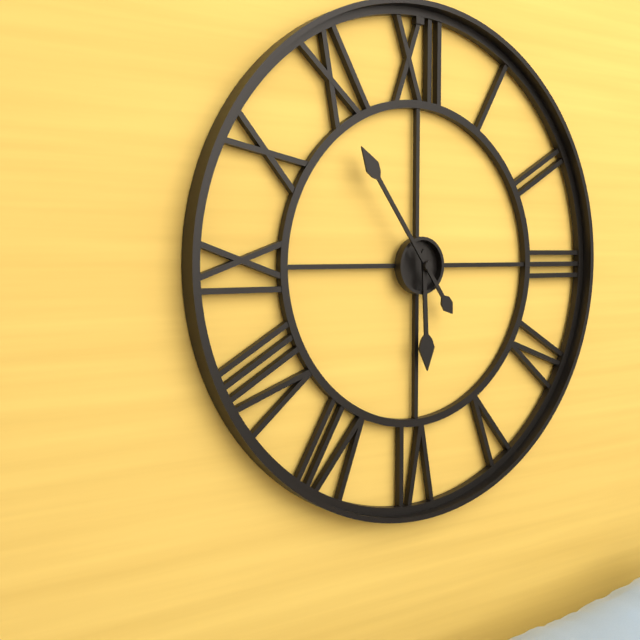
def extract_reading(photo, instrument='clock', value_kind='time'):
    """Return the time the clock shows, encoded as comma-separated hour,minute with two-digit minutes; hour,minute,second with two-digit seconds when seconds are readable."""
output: 5,54
